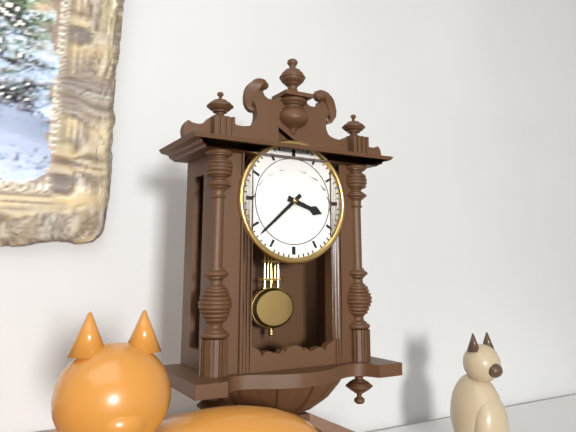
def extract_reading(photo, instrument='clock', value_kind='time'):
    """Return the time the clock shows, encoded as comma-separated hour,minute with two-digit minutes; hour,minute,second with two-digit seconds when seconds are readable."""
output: 3,38
